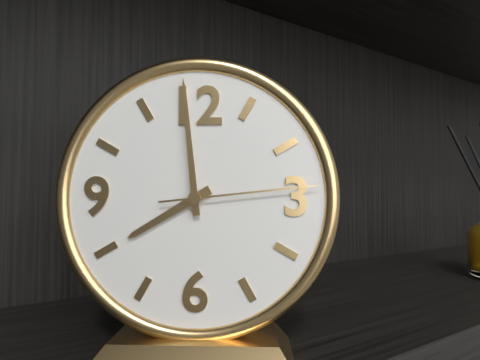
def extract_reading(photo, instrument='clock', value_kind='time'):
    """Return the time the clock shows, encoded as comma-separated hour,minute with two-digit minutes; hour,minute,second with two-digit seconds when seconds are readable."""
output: 7,59,14
